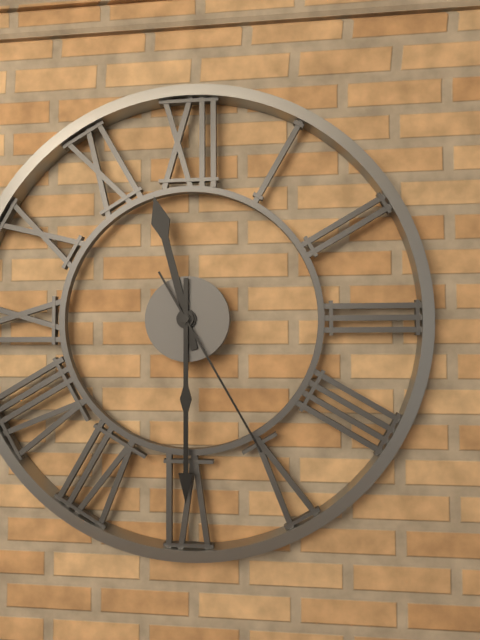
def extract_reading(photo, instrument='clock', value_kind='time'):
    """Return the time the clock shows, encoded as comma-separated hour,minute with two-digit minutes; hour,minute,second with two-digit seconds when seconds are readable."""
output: 11,30,25
